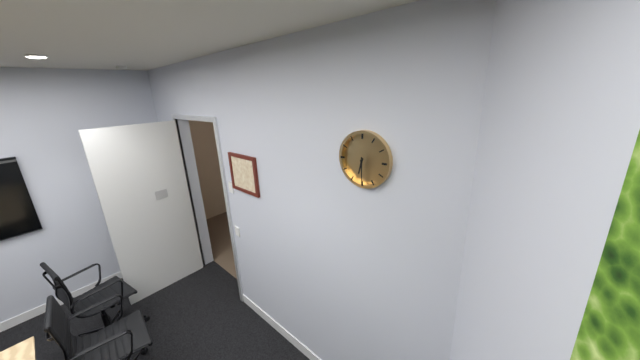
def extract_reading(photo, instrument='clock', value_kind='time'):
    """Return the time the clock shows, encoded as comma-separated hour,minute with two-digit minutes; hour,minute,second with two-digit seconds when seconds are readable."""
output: 6,30
